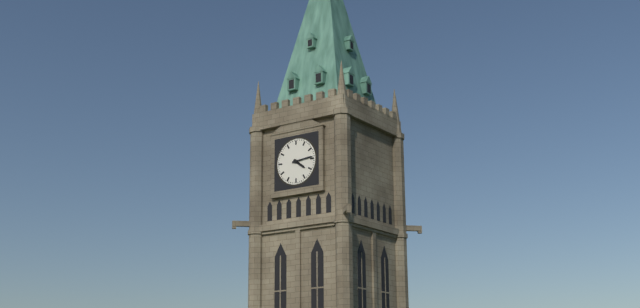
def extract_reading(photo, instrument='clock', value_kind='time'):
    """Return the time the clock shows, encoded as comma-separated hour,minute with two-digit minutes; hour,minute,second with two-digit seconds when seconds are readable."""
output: 4,14
